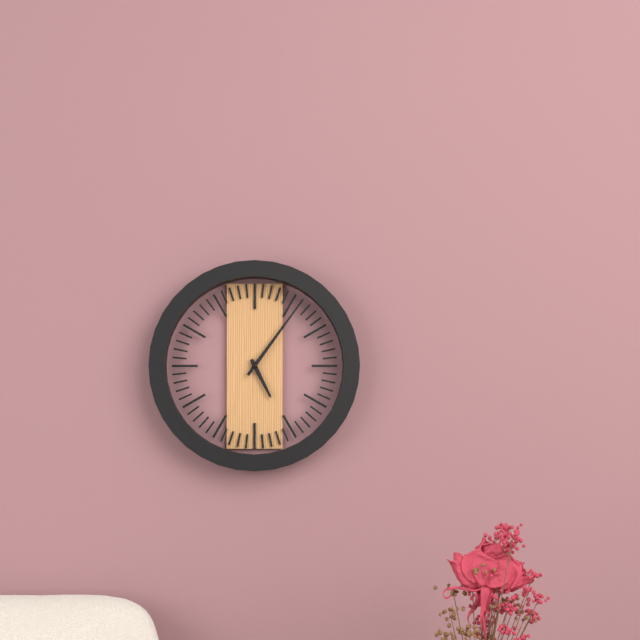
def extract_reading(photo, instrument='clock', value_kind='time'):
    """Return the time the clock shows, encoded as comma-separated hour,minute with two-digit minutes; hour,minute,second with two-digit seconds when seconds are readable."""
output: 5,06
